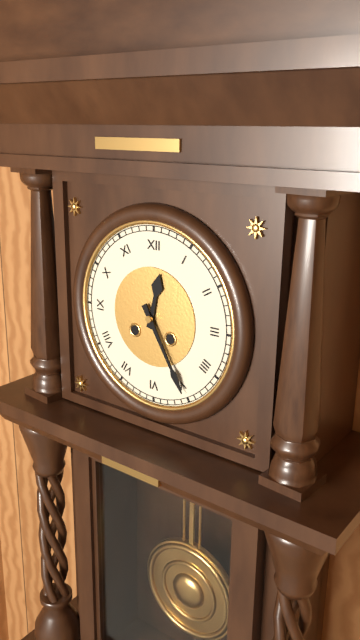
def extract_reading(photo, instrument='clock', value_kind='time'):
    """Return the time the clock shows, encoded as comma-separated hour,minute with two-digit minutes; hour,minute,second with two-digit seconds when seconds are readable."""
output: 12,25
